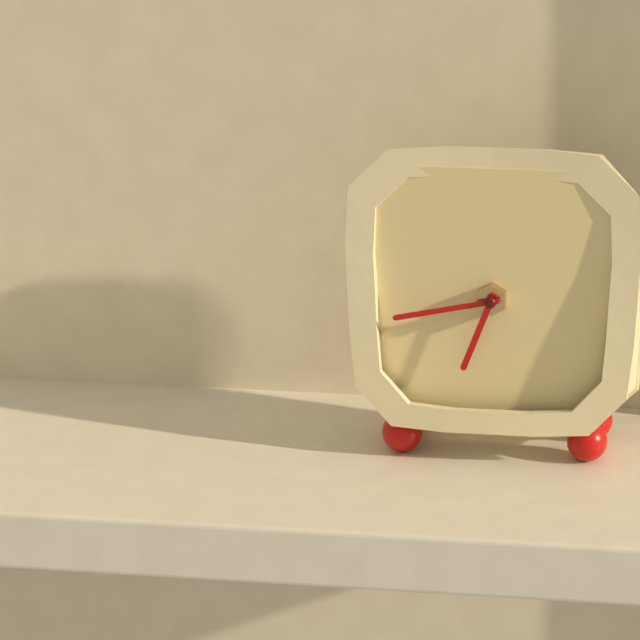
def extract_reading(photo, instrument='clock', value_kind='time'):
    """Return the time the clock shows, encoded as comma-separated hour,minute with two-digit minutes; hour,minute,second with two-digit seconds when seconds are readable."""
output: 6,43
